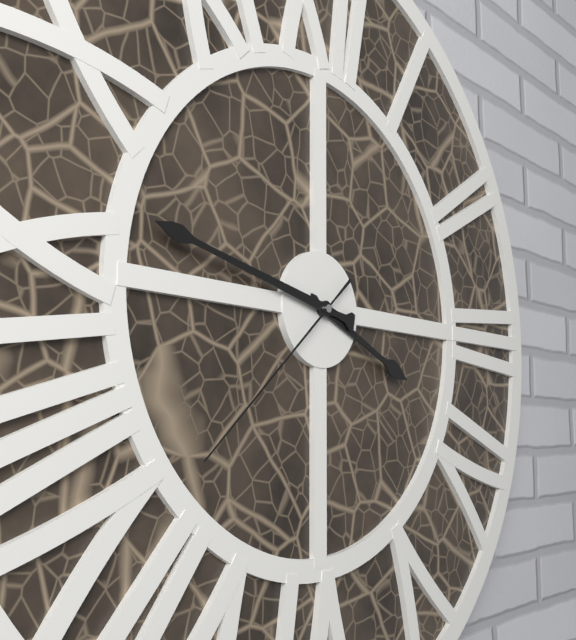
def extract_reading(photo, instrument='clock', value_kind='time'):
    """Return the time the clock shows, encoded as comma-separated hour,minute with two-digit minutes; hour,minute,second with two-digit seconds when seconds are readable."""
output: 3,47,38
